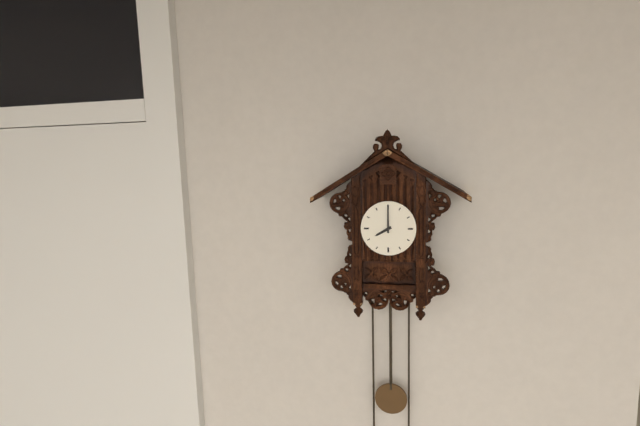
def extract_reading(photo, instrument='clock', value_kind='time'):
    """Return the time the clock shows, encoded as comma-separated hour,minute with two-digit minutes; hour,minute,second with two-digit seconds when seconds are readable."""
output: 8,00
